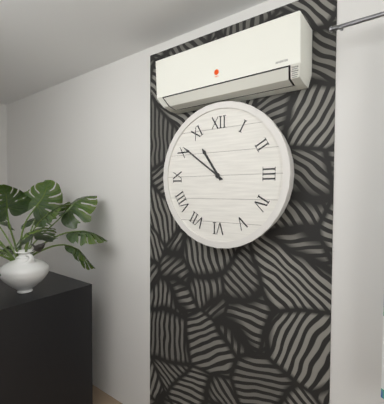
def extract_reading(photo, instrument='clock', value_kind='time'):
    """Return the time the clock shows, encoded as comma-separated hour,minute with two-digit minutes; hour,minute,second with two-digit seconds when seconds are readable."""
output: 10,51
